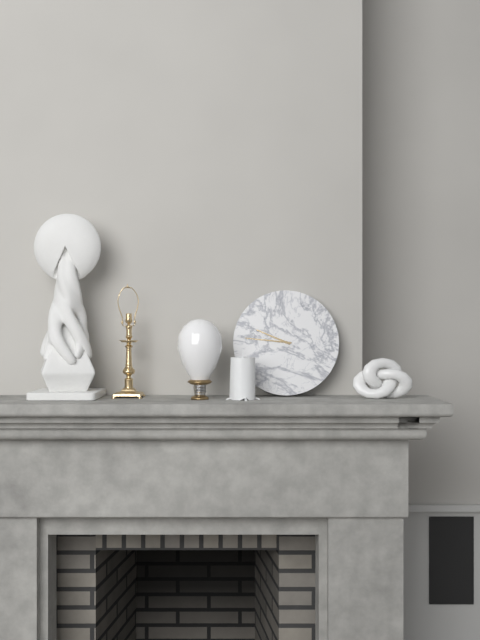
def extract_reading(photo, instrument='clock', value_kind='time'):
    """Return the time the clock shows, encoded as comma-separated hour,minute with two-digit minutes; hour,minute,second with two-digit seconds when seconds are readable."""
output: 9,46
